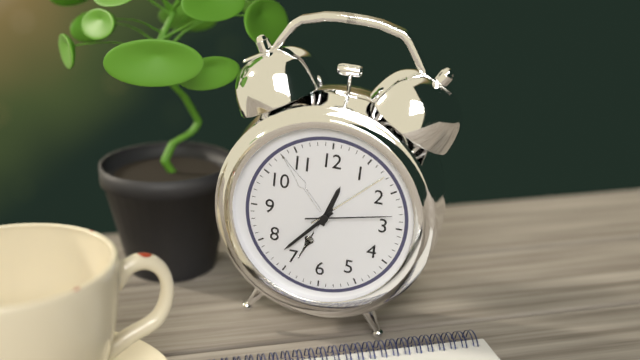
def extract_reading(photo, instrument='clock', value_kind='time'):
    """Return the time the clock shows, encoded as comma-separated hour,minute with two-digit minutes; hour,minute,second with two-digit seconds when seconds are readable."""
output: 12,37,13
